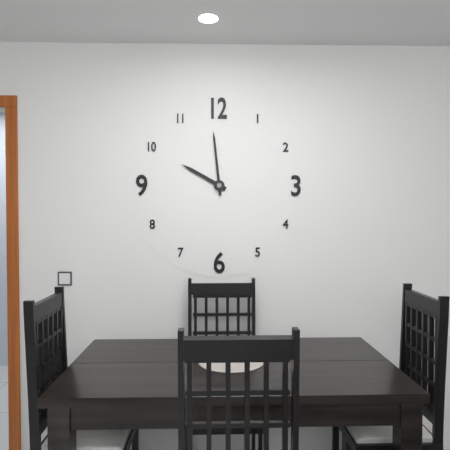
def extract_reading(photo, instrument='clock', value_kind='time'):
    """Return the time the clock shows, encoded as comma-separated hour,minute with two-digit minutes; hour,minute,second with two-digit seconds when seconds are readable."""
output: 9,59
